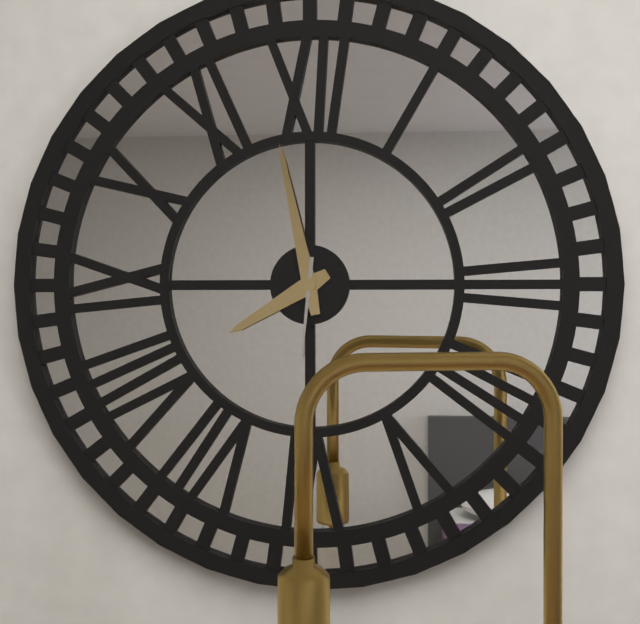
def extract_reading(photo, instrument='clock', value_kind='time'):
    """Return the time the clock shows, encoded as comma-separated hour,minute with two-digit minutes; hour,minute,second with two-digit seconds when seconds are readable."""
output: 7,58,31
